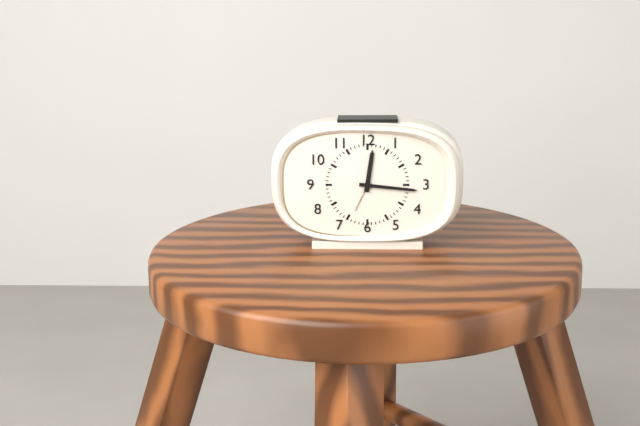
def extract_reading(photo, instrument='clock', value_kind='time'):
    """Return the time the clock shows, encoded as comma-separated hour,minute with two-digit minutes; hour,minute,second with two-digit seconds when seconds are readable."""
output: 12,16
